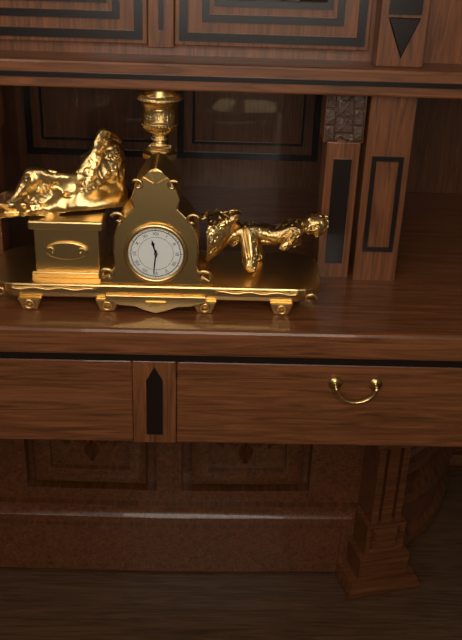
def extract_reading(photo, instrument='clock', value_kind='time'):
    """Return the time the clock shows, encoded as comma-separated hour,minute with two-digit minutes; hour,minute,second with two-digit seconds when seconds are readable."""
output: 11,31
